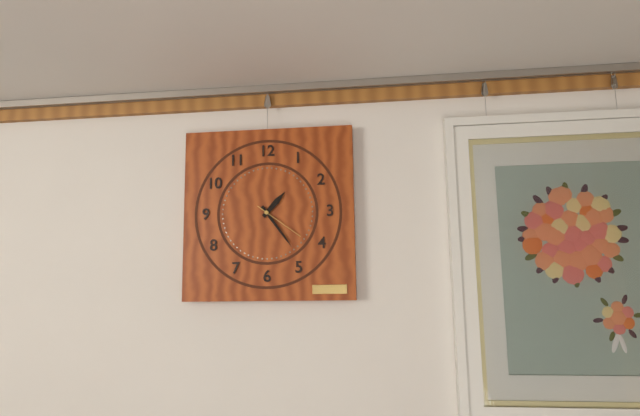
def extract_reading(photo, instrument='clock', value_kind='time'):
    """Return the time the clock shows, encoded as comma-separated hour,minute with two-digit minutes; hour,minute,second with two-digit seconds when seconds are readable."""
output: 1,24,21
